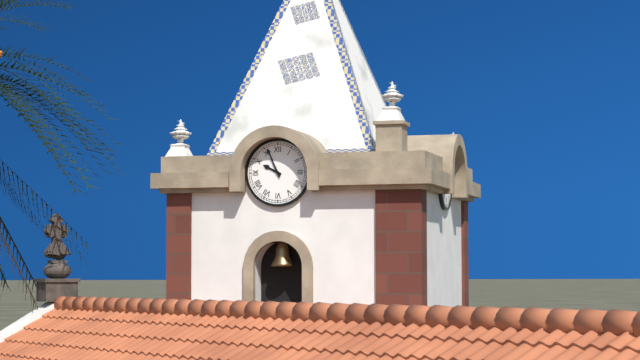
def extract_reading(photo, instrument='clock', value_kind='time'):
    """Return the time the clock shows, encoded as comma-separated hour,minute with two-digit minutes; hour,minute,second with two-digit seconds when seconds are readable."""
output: 9,56
